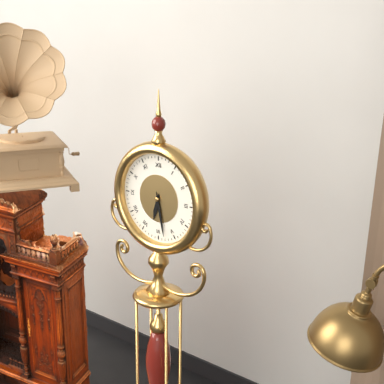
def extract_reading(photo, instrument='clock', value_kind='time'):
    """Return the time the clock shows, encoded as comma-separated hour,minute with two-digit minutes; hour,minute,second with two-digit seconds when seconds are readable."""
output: 6,28
